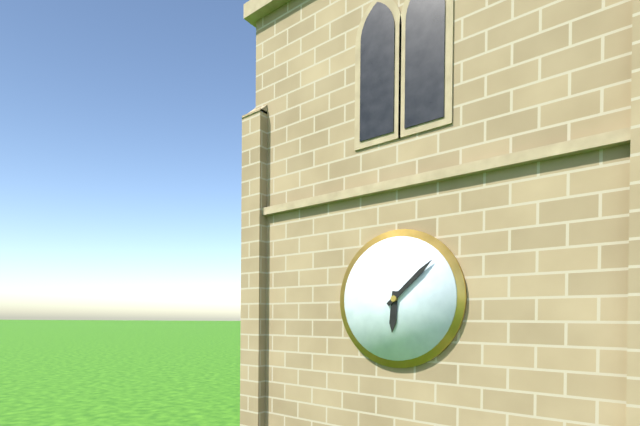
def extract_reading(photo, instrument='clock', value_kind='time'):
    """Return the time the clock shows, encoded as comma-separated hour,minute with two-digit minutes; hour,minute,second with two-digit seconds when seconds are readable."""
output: 6,08
